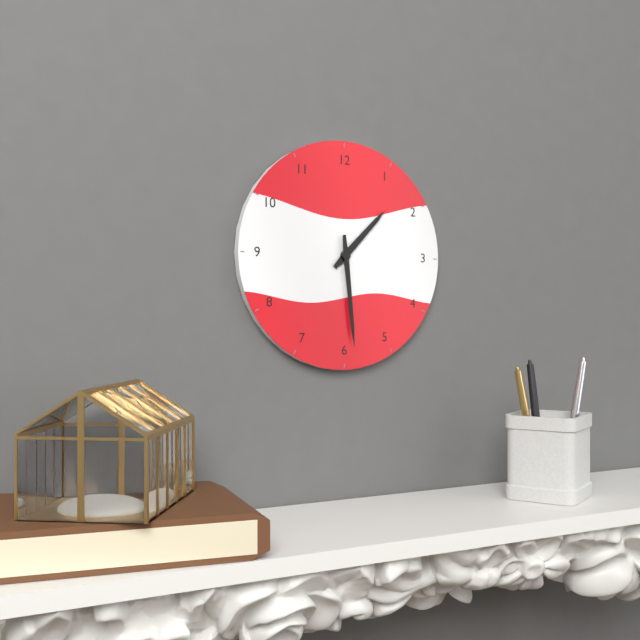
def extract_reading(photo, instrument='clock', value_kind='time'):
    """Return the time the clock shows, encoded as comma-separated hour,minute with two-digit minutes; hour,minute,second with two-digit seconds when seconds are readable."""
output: 1,29
